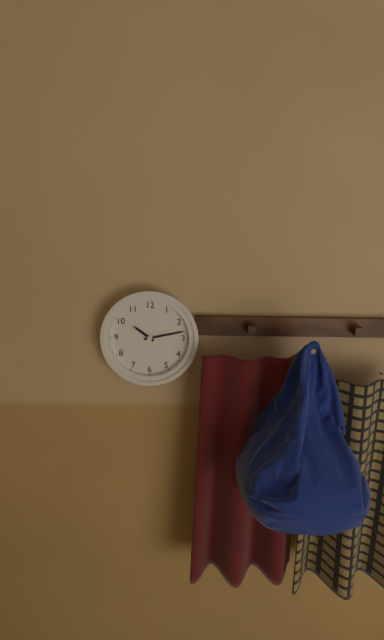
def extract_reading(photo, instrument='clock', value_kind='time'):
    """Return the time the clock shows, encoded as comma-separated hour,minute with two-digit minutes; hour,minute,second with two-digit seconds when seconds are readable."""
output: 10,13
